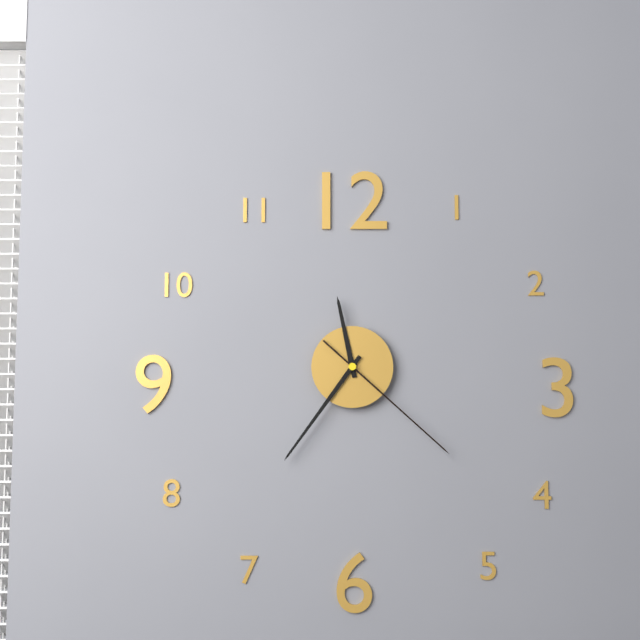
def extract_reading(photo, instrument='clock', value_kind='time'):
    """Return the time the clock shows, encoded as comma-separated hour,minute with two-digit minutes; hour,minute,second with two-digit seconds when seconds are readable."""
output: 11,36,22
